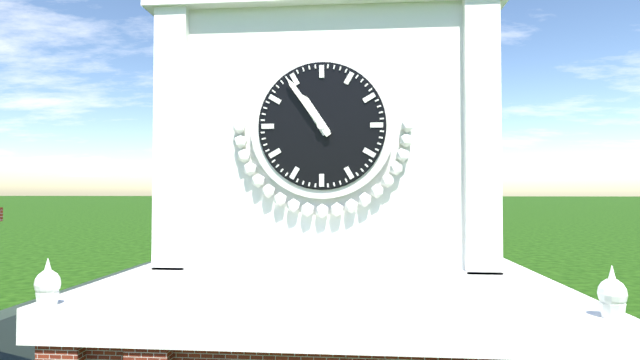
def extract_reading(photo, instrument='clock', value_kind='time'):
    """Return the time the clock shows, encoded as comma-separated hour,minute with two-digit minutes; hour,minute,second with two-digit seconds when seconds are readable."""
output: 10,54
